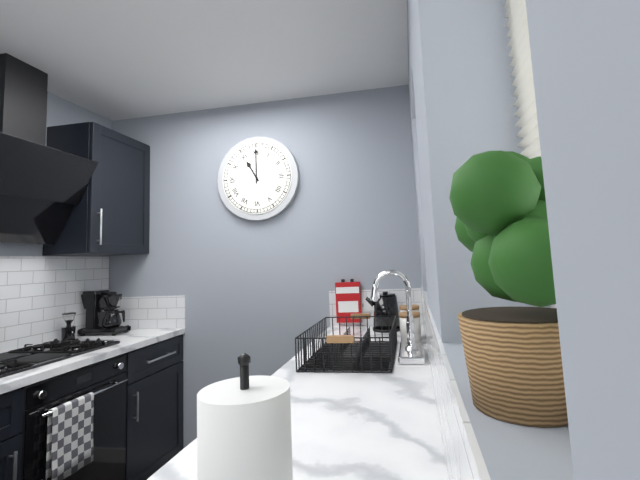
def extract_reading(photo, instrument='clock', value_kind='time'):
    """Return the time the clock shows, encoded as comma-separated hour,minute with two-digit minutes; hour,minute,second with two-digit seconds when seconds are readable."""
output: 11,00
